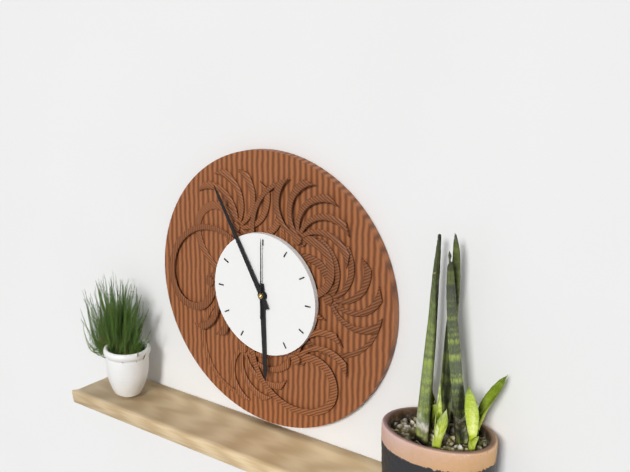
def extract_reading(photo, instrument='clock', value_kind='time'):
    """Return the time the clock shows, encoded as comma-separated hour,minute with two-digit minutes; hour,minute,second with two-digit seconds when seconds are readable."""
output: 5,55,00
